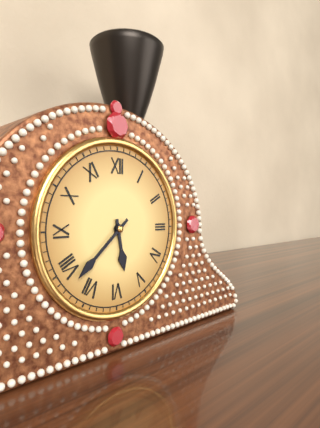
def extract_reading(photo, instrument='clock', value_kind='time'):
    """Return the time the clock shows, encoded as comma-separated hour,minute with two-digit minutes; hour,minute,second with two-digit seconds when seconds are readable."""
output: 5,38
